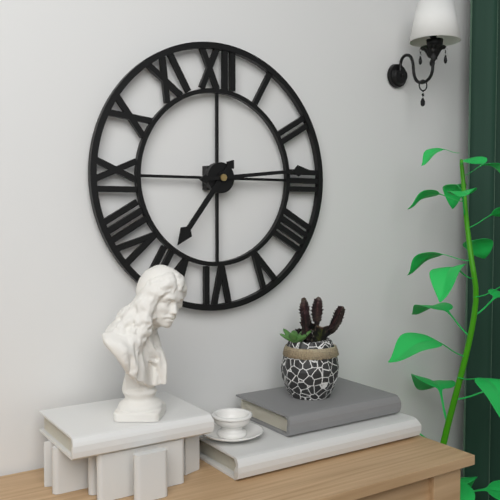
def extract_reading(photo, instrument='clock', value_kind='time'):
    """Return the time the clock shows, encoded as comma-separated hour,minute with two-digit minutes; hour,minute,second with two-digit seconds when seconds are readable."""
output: 7,14
